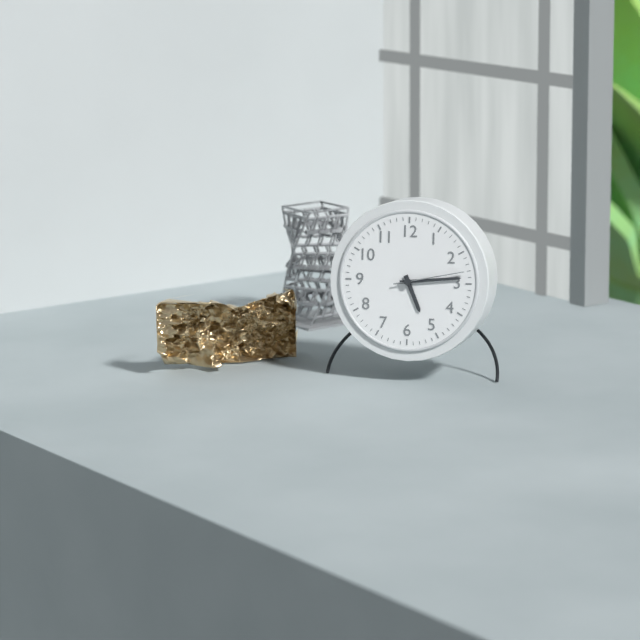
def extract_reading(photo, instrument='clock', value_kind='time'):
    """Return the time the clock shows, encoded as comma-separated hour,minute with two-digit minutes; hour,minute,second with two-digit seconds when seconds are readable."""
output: 5,14,13
